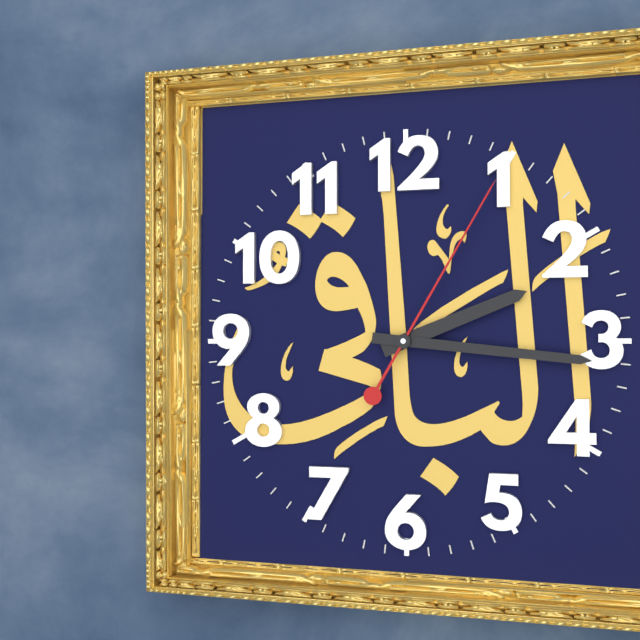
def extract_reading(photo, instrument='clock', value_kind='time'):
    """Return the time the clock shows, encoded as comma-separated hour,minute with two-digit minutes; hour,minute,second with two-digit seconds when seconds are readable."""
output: 2,16,05
